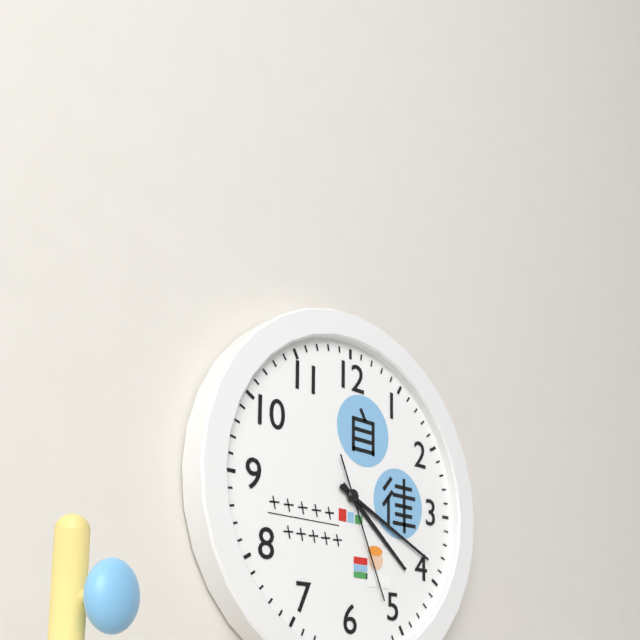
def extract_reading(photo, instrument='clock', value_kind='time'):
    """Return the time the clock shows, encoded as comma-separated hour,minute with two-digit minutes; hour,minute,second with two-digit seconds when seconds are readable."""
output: 4,19,26
